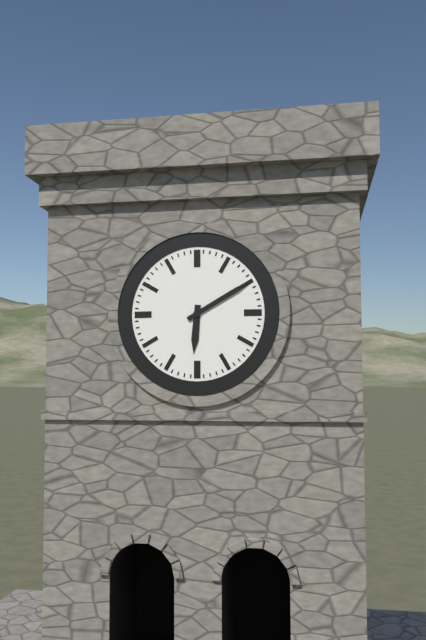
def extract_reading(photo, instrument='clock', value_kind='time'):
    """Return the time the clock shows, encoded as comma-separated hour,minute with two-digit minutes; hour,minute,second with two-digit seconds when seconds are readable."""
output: 6,10
